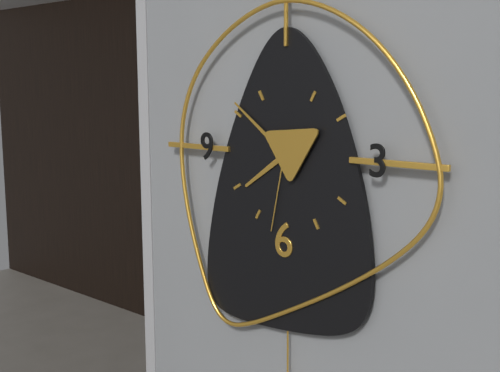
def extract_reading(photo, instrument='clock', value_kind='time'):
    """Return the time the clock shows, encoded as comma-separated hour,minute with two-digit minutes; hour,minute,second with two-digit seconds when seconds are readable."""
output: 7,51,32
